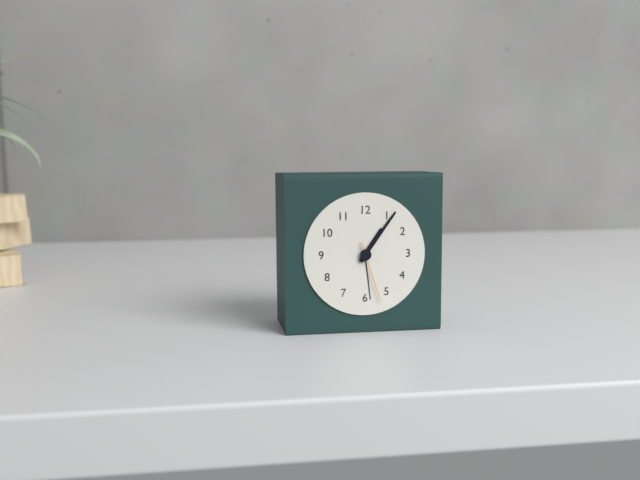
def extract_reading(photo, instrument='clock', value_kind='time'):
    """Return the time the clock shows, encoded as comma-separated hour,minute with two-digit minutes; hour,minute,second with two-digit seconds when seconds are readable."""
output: 1,06,27
